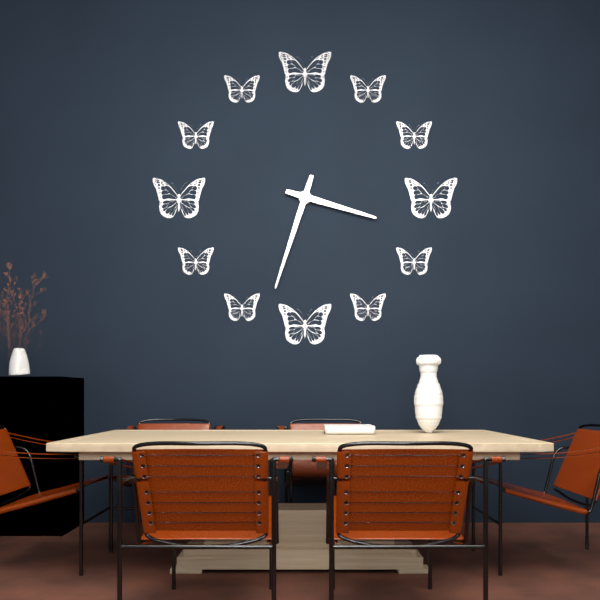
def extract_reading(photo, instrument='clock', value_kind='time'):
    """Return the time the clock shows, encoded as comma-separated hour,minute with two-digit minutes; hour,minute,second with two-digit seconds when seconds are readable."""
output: 3,33
